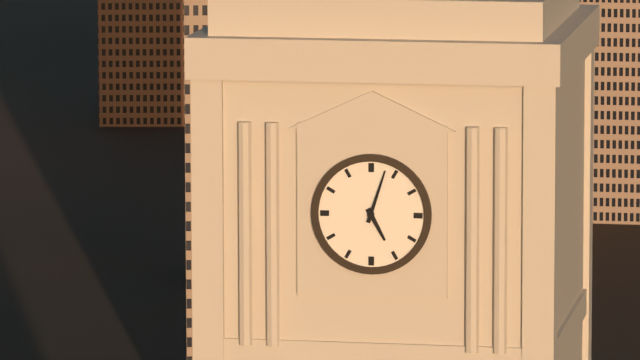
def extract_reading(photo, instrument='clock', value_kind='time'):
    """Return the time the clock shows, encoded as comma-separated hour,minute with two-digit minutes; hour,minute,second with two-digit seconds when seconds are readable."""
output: 5,03
